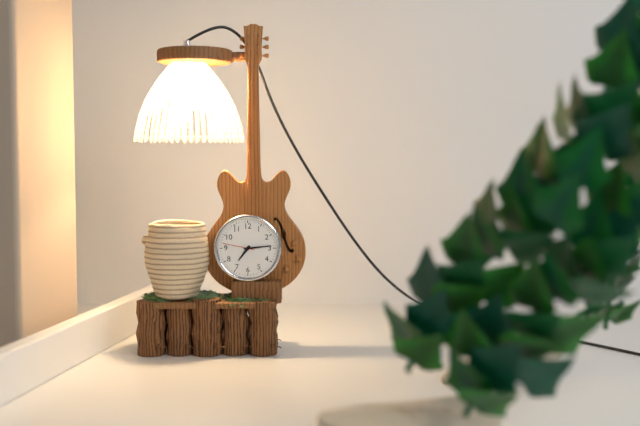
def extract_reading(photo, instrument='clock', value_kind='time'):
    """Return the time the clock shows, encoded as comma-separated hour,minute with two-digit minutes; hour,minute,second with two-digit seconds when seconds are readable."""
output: 7,14
